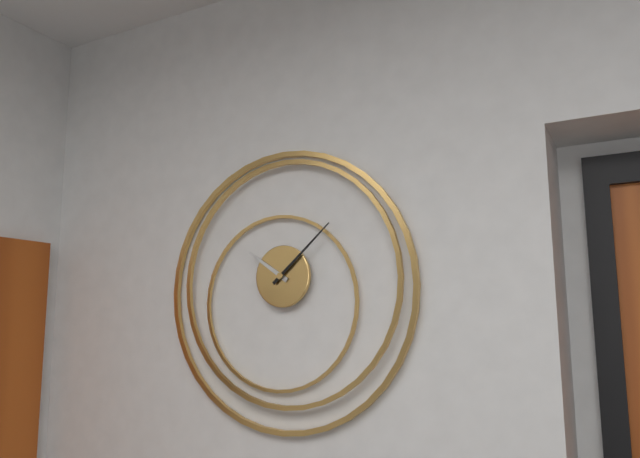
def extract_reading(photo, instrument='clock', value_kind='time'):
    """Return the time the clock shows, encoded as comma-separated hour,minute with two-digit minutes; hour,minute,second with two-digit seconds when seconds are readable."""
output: 10,08
